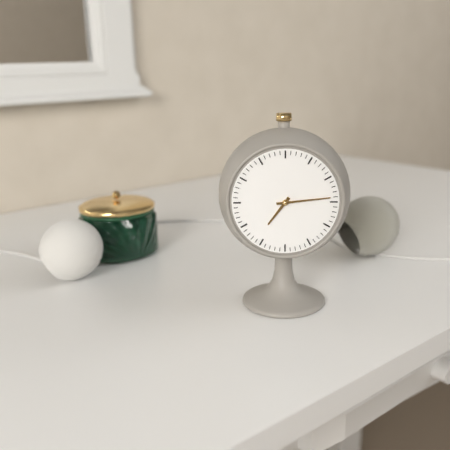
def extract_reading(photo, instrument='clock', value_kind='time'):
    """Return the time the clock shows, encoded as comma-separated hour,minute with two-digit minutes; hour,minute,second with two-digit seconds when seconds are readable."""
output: 7,14
